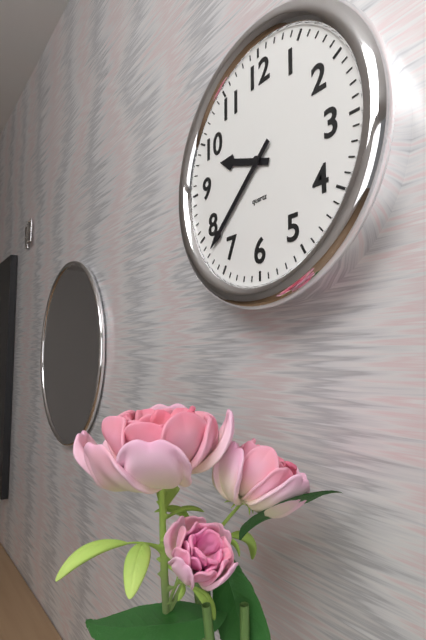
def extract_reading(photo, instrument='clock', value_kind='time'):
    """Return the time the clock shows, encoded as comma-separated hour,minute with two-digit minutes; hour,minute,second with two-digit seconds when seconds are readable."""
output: 9,38
